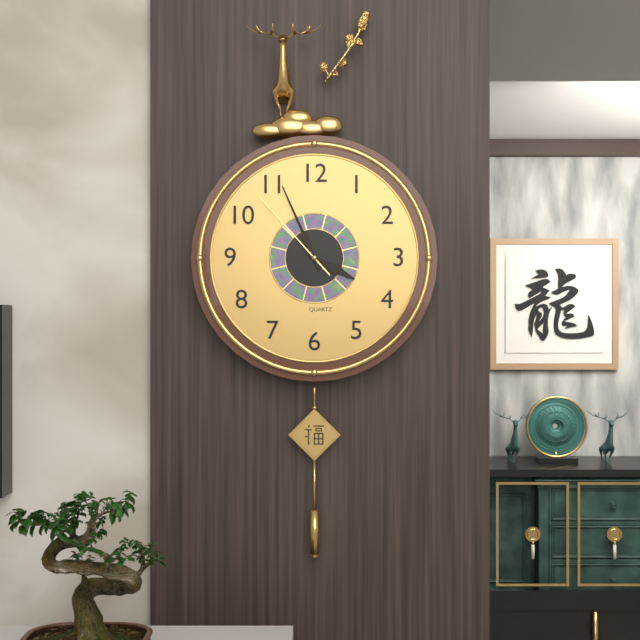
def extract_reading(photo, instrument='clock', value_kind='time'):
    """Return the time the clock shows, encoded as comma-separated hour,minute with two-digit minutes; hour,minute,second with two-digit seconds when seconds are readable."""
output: 3,56,53
